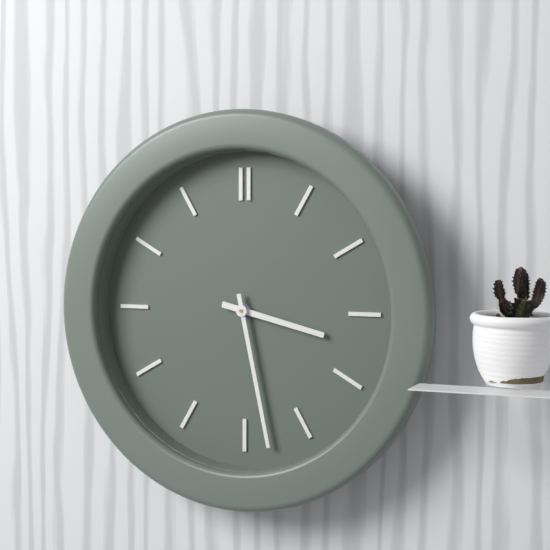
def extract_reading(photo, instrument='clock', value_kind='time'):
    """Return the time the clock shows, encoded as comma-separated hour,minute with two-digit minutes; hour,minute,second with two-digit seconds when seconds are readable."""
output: 3,28
